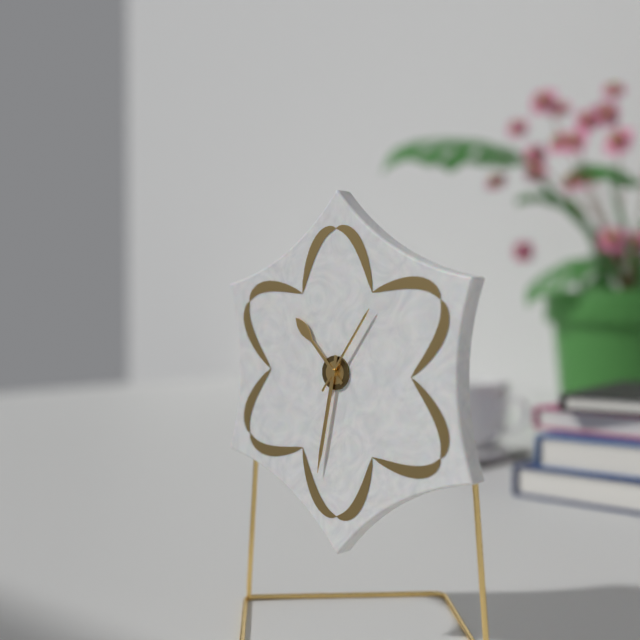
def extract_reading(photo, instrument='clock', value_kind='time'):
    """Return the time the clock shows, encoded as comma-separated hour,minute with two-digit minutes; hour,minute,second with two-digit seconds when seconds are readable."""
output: 10,32,06
